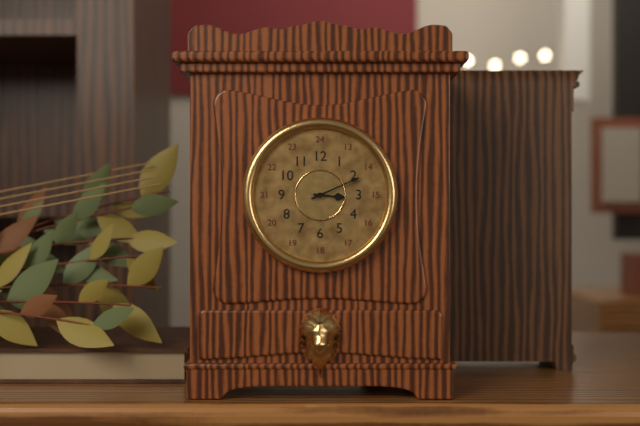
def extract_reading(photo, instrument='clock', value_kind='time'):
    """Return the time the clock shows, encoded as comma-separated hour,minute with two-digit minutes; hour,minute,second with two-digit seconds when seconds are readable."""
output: 3,11
